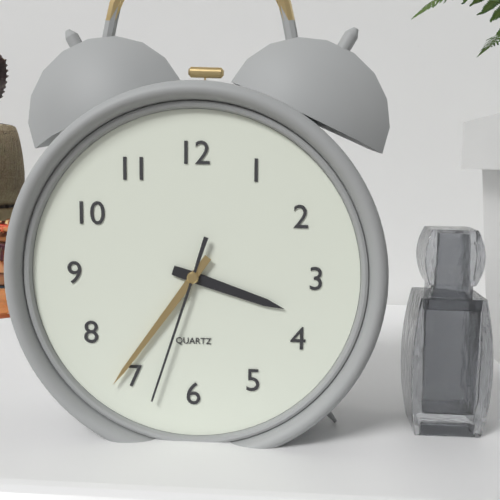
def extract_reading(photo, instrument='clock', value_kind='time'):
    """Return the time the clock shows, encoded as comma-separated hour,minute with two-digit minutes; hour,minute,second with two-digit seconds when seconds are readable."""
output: 3,36,33
